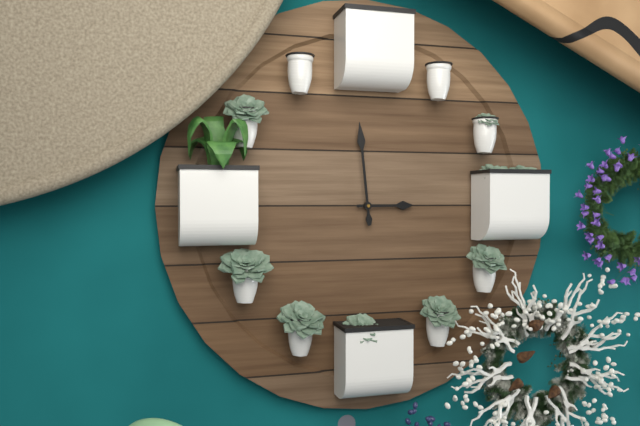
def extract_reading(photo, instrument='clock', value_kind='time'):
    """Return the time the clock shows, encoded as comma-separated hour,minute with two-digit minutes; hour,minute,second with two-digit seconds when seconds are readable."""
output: 2,59
